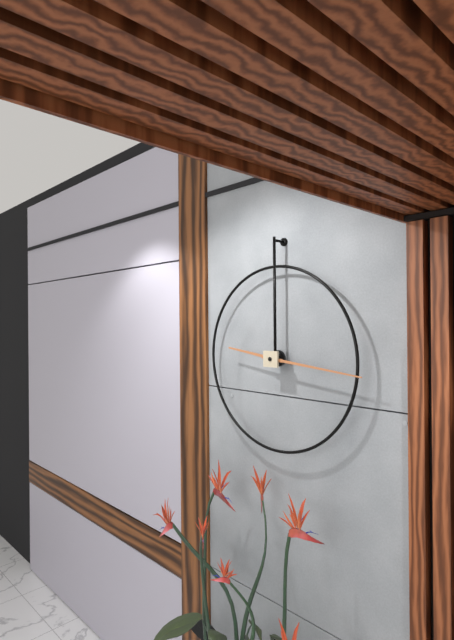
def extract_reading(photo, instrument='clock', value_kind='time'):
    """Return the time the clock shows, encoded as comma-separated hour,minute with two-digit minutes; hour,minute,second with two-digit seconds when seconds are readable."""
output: 9,16
